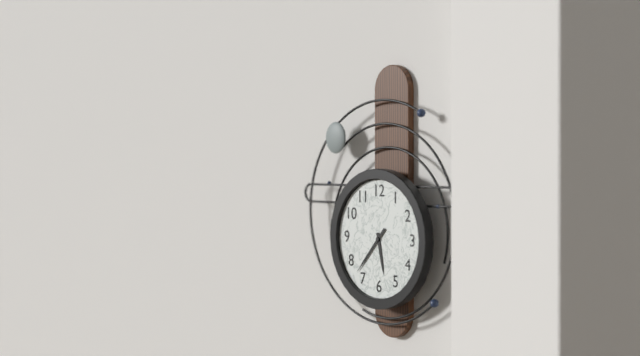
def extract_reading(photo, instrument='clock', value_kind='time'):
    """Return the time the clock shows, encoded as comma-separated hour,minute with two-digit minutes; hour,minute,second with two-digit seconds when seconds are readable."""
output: 5,37
